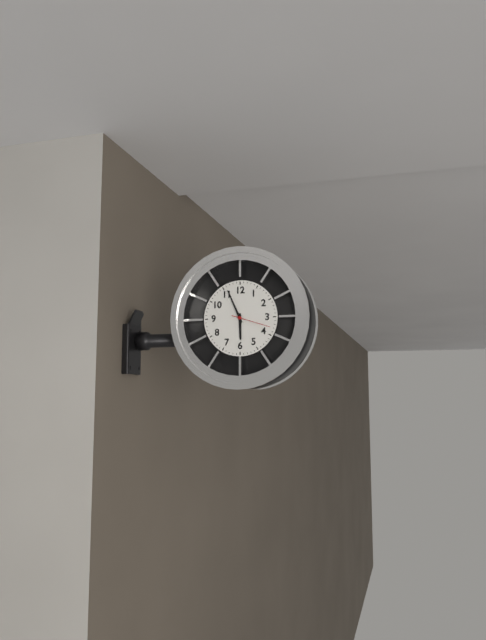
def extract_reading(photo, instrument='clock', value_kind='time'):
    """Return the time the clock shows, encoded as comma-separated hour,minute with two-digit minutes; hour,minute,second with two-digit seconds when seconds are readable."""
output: 5,56
